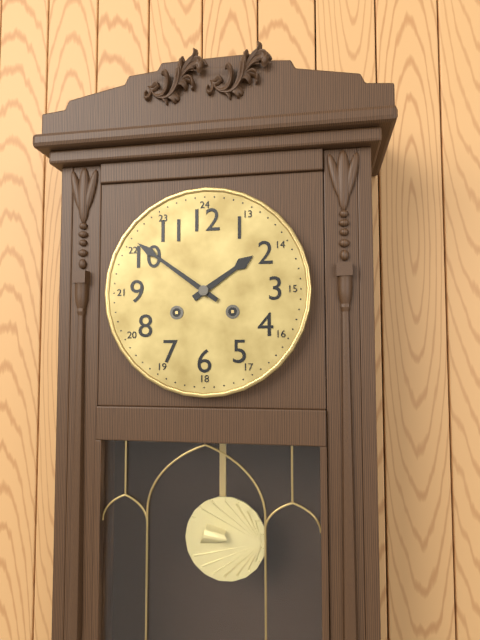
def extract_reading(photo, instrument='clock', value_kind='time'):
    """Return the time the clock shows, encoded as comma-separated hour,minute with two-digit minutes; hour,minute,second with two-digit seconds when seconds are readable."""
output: 1,51
